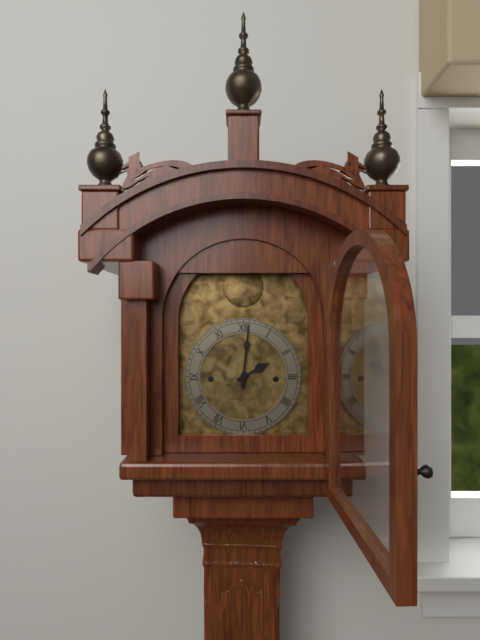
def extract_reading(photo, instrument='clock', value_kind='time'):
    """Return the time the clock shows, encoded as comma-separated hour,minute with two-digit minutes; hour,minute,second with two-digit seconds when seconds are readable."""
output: 2,01
